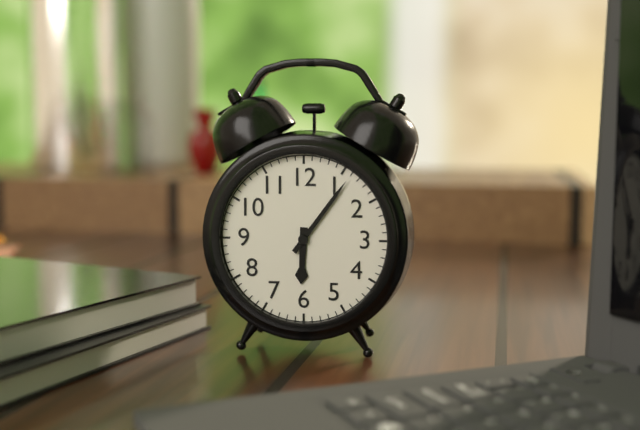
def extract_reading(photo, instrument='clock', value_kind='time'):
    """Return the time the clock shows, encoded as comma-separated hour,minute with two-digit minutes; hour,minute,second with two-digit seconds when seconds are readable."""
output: 6,06
